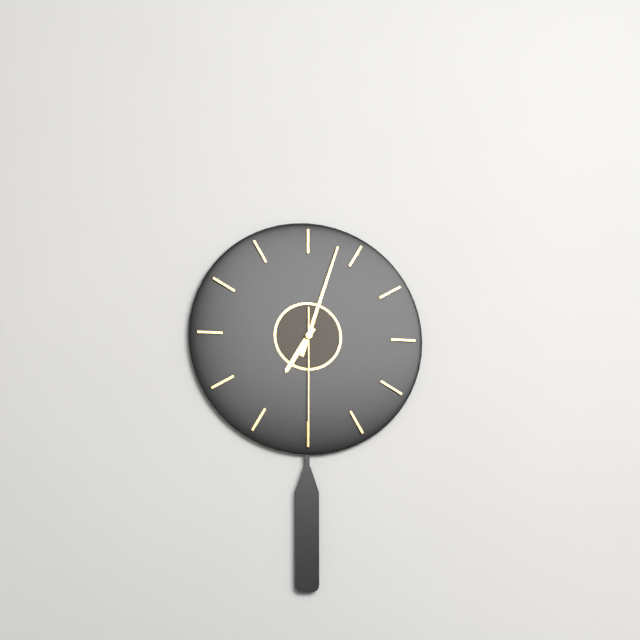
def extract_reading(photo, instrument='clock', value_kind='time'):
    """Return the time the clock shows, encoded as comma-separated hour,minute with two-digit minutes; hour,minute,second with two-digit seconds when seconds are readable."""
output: 7,03,30
